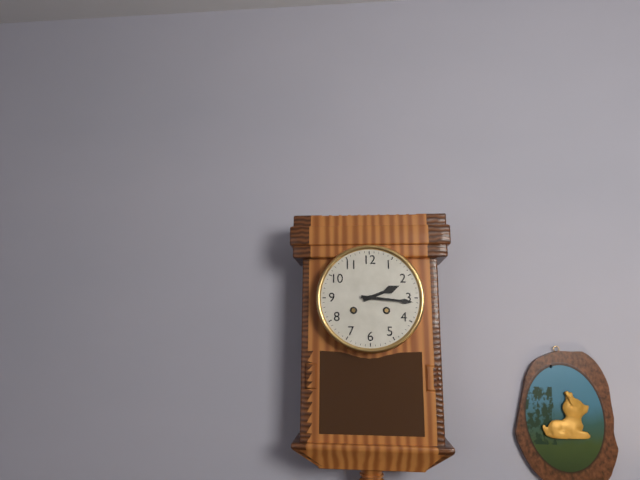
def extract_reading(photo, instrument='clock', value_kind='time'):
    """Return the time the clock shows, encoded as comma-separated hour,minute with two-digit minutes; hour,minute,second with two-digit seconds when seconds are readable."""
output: 2,16
